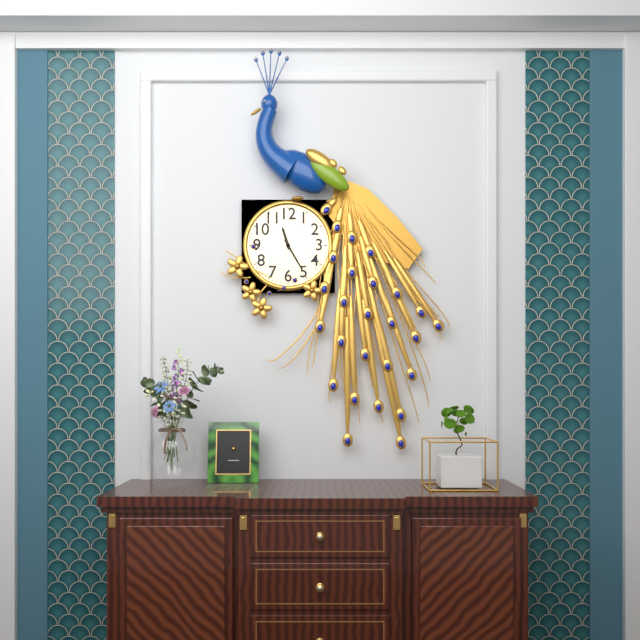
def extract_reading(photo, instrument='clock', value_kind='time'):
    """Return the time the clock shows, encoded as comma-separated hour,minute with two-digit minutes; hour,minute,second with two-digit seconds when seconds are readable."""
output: 11,25
